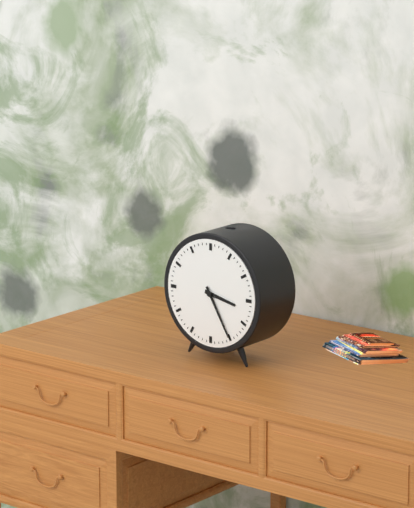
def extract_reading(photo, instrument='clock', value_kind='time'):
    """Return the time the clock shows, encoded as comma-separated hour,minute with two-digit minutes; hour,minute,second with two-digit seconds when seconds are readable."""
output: 3,25
